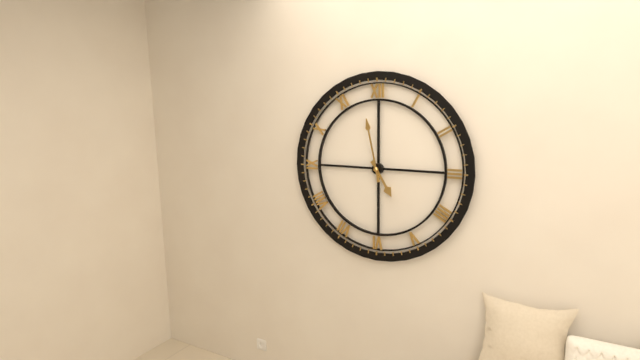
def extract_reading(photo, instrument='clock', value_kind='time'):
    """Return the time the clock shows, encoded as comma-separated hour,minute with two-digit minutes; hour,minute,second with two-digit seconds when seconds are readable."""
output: 4,58
